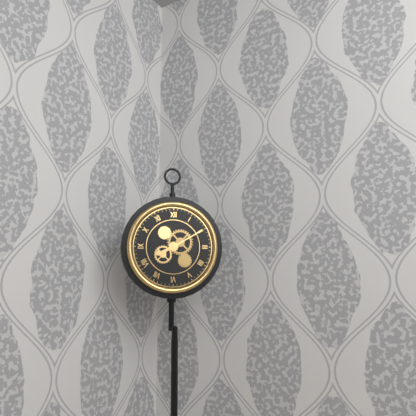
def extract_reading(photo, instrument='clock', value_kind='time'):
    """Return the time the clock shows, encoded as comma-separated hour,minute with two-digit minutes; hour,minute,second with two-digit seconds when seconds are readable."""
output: 8,10
